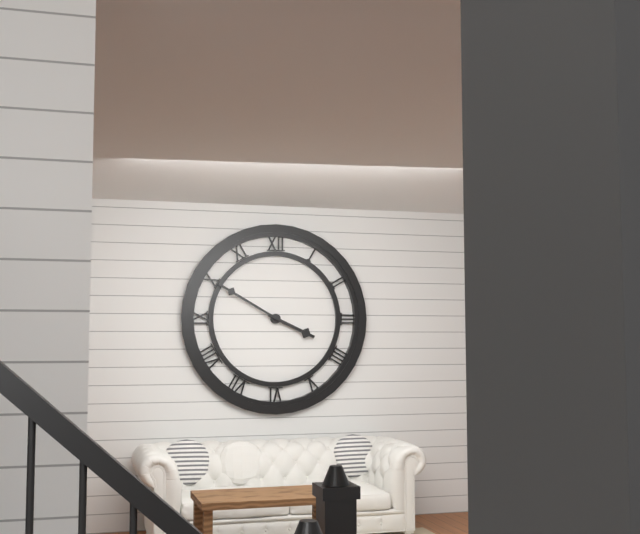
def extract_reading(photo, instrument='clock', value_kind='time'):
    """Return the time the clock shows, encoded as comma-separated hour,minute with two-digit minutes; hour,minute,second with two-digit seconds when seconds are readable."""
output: 3,50
